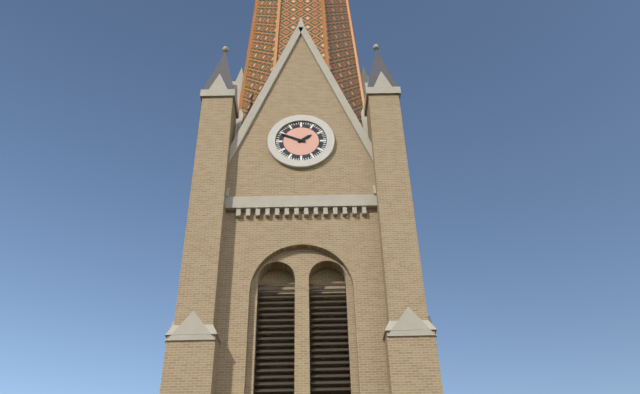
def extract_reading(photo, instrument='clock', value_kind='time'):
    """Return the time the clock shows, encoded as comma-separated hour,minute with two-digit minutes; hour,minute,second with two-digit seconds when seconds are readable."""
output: 1,49
